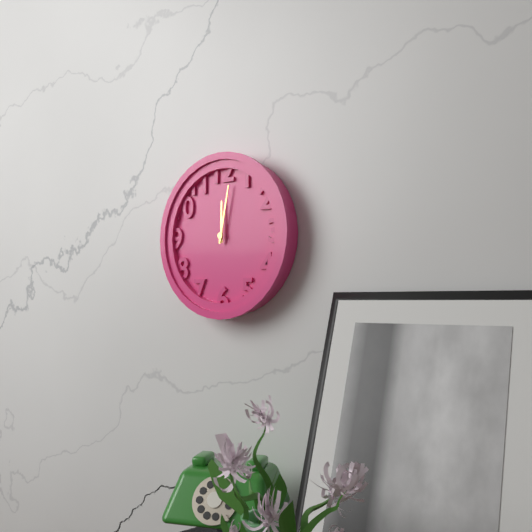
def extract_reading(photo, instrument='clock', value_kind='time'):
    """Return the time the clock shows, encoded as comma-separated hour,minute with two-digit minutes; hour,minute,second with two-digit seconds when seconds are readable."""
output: 12,02
